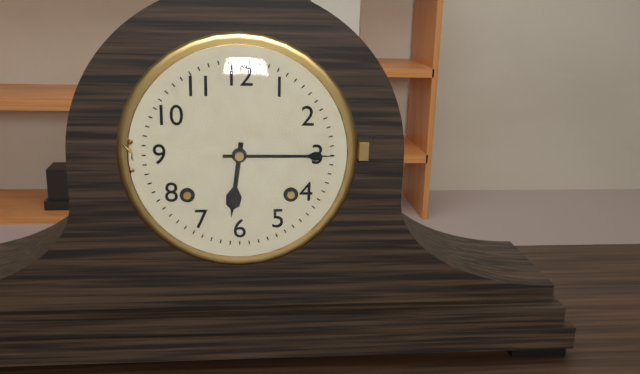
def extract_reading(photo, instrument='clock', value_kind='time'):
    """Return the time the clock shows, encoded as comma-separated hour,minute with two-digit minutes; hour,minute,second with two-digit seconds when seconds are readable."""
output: 6,15
